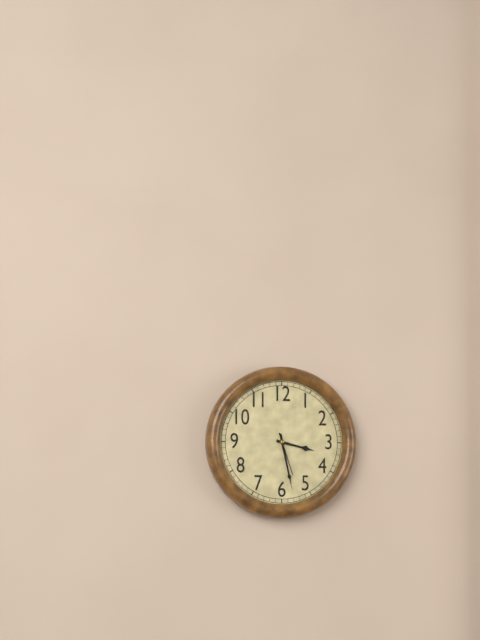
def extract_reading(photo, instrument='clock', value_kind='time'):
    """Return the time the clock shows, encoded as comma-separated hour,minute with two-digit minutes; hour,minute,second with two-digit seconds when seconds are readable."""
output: 3,28
